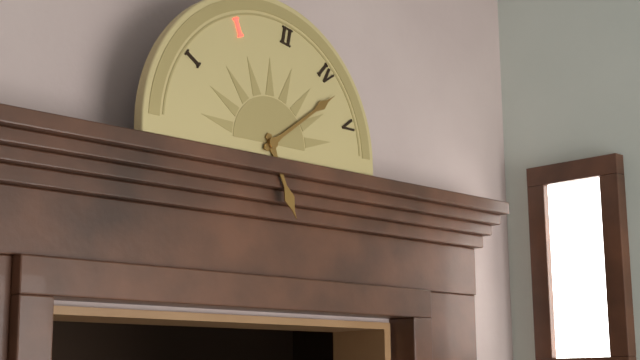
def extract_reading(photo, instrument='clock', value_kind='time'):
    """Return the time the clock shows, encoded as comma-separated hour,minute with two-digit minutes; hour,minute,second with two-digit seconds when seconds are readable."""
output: 5,09
